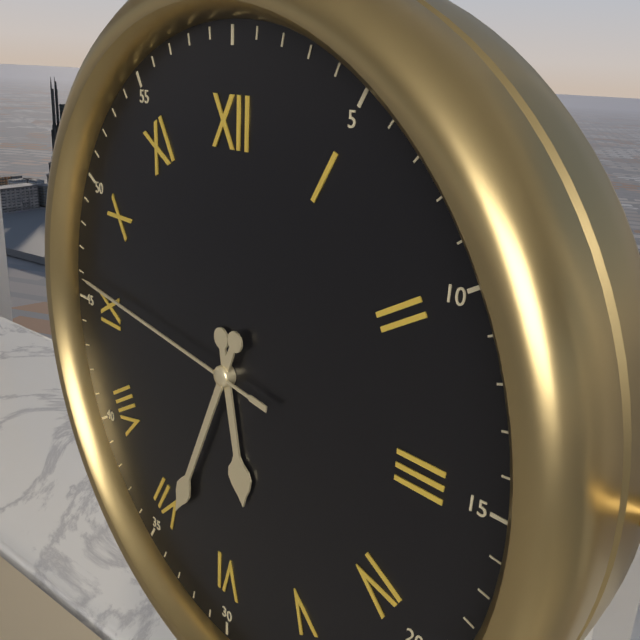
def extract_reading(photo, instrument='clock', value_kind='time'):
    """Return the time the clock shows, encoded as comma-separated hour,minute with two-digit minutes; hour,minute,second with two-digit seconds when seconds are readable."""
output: 5,34,46
